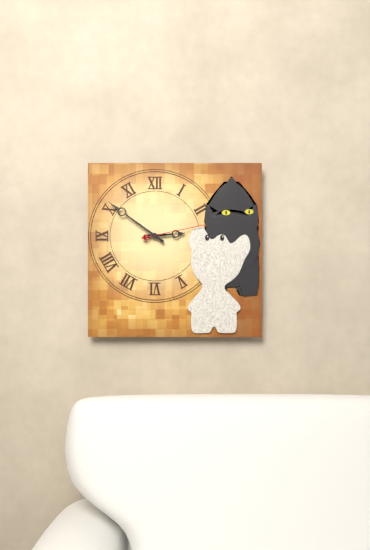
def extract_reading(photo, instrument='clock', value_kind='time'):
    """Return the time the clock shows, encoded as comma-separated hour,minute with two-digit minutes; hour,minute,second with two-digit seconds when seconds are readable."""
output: 2,51,13
